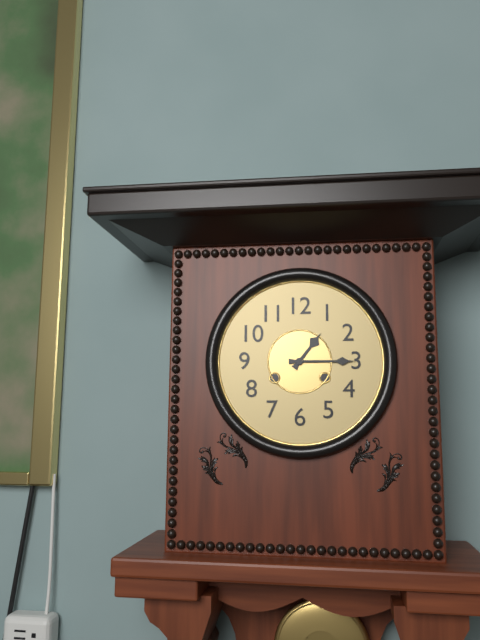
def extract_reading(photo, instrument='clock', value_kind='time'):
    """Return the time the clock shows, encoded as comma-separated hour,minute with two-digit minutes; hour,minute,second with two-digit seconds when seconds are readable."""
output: 1,15
